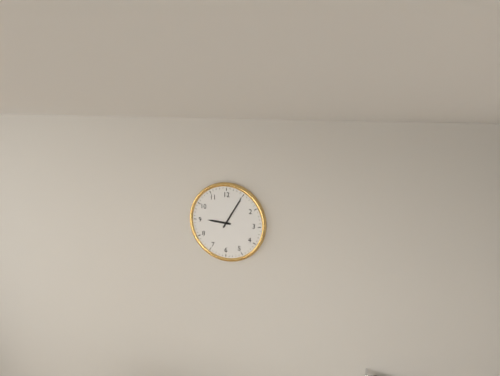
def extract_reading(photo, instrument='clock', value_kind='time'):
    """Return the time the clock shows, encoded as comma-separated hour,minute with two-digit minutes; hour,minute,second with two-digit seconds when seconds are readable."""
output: 9,05
